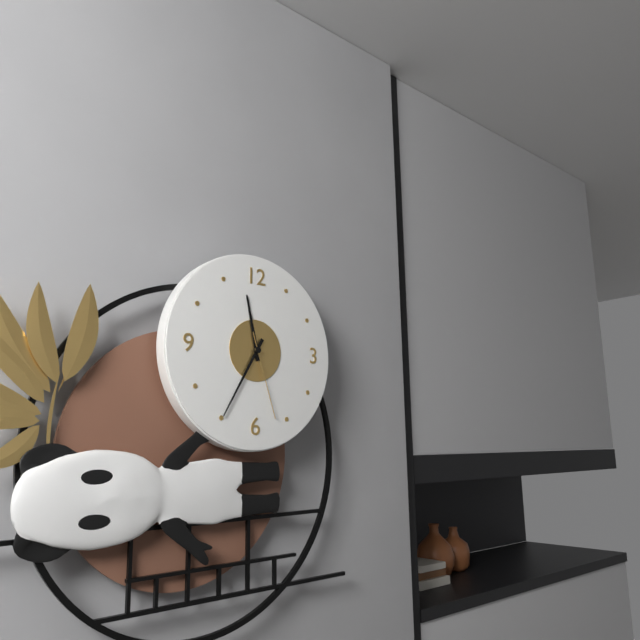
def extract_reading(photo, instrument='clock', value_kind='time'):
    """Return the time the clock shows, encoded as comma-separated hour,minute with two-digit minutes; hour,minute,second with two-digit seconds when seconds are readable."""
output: 11,35,27
